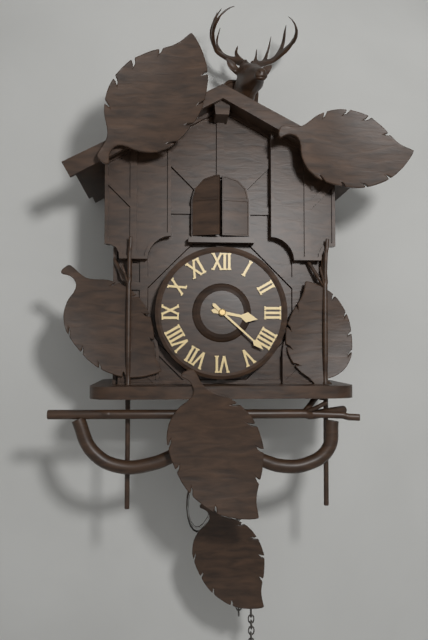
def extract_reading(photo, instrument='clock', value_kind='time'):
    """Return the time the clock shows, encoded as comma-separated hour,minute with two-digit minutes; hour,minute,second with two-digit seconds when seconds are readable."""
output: 3,22
